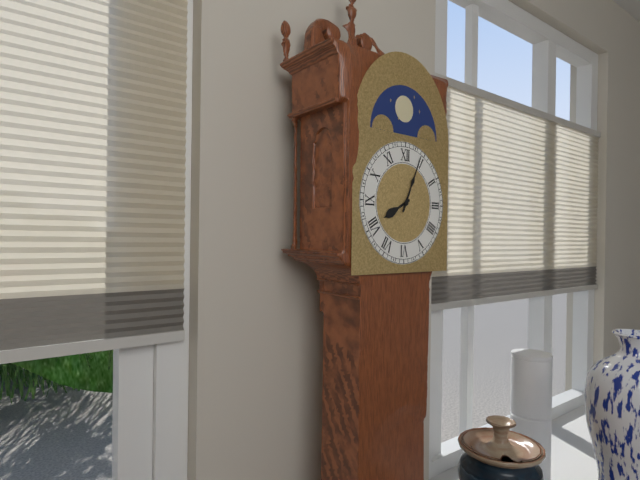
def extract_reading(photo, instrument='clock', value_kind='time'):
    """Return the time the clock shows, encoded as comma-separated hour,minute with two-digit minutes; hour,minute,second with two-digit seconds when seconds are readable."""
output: 8,04
